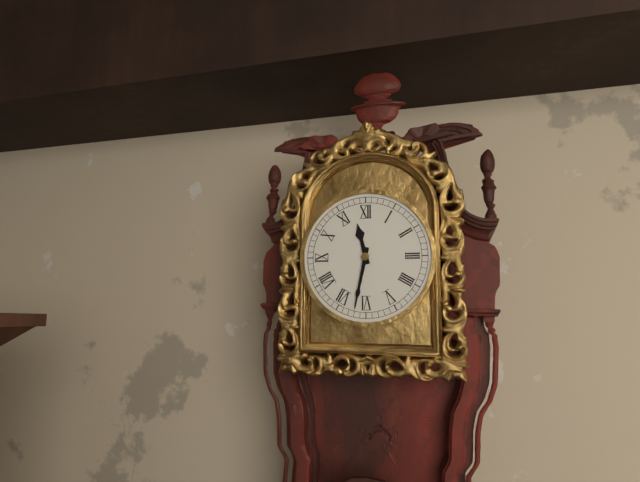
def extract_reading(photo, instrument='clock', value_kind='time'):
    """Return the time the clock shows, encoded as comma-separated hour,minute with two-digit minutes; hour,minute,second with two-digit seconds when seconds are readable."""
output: 11,32
